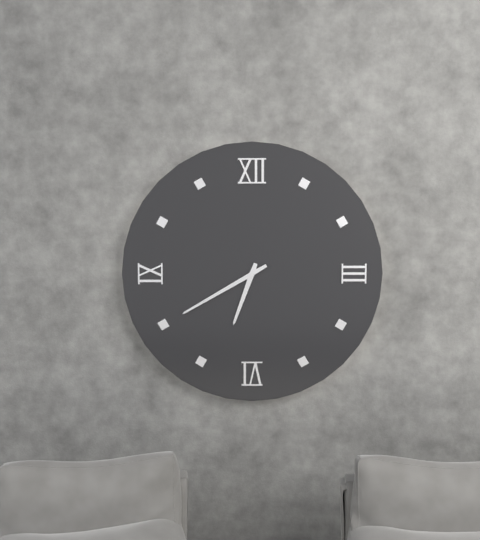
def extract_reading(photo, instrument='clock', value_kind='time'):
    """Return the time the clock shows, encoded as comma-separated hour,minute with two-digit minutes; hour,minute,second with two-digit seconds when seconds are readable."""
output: 6,40
